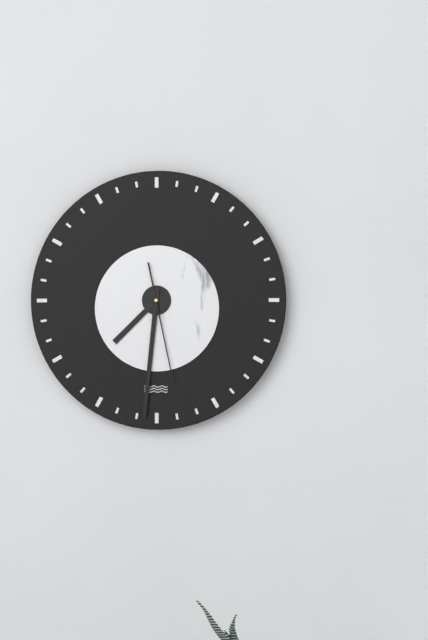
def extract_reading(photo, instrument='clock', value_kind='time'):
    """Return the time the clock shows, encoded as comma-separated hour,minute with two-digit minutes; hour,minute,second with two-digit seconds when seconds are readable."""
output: 7,31,28
